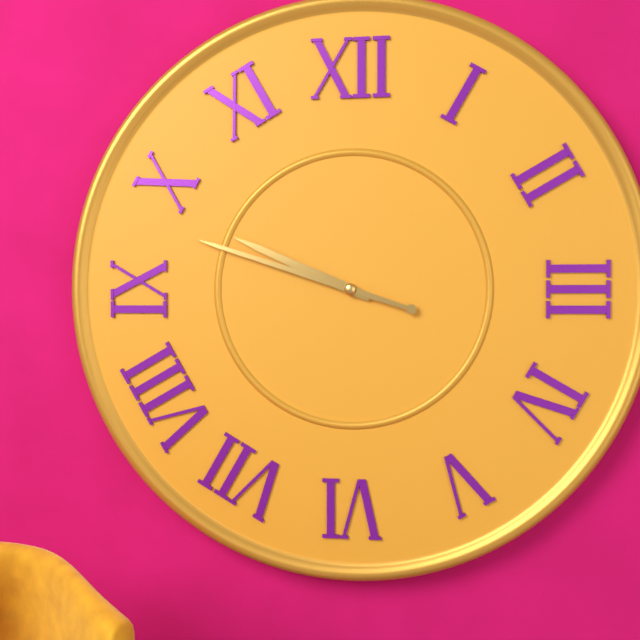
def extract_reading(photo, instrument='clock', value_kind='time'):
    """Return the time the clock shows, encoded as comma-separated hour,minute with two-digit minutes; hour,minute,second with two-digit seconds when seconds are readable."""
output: 9,48
